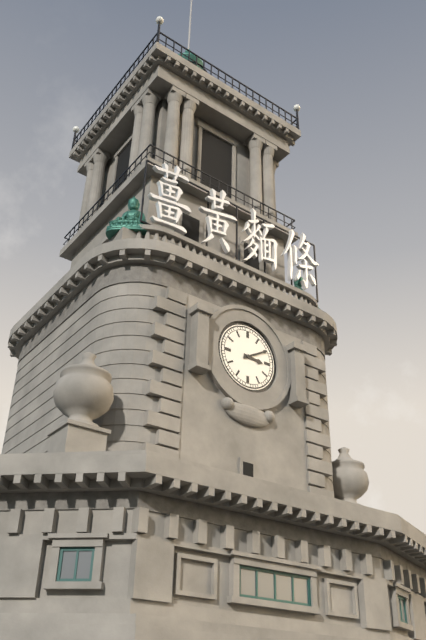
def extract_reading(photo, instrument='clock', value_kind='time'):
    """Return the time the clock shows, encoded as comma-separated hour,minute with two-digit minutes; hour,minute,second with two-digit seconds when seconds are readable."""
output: 3,10
